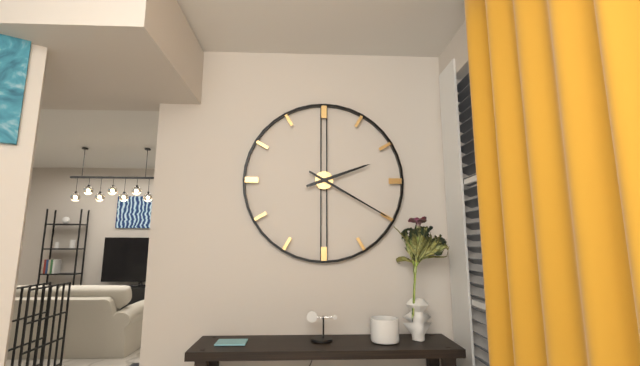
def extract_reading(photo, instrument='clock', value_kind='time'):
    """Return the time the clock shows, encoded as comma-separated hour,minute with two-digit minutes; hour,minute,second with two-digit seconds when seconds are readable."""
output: 2,20
